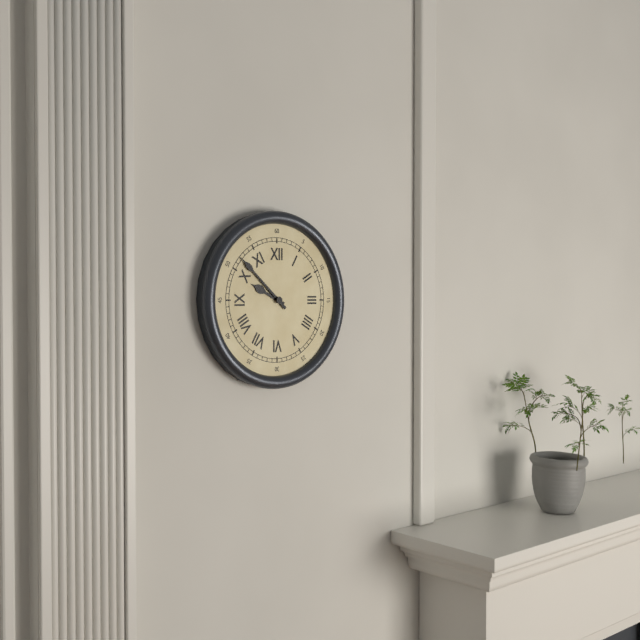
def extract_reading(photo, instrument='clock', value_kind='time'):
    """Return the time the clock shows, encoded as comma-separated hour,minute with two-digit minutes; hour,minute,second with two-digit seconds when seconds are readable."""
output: 9,52
